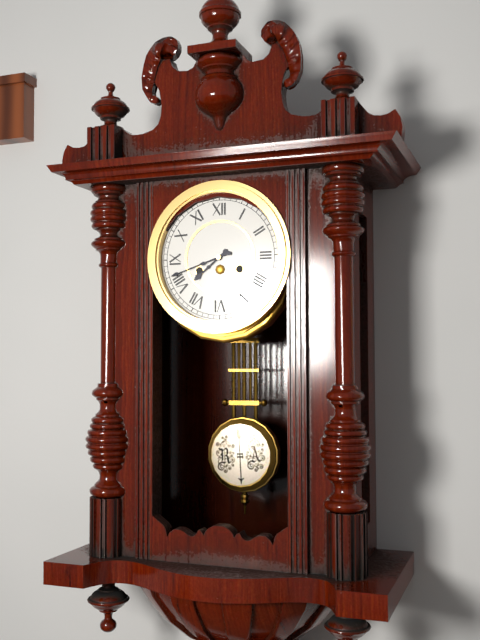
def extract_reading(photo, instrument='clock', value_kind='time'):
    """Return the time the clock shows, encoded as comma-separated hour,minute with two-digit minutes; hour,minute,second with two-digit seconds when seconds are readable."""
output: 7,42
